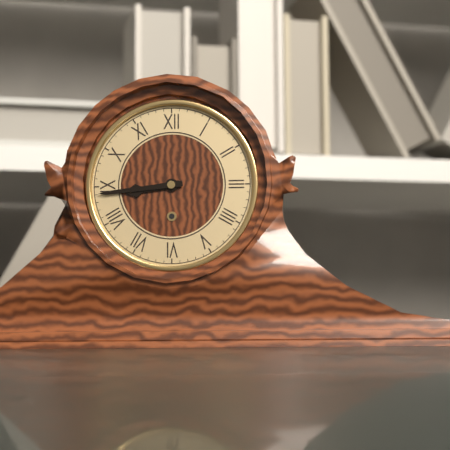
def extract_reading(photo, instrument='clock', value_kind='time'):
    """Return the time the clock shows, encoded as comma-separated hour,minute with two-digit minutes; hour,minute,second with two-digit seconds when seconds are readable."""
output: 8,44
